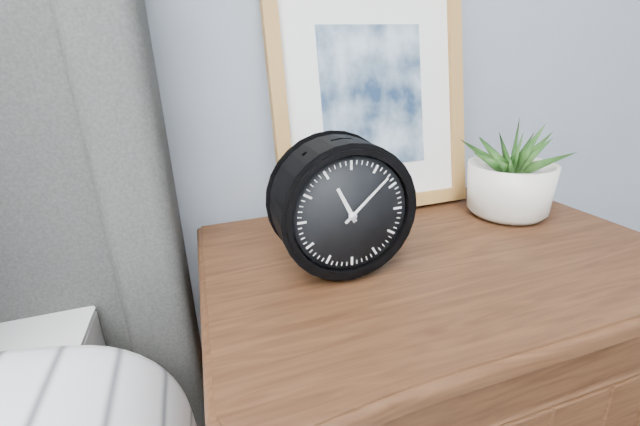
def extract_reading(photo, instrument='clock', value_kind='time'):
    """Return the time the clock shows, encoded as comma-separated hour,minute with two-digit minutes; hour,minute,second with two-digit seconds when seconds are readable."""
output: 11,08
